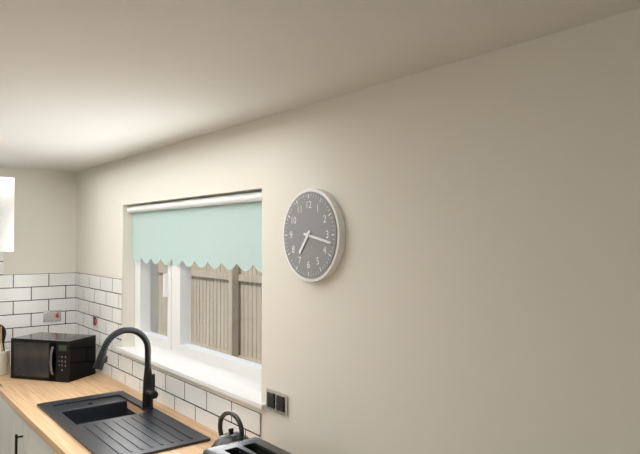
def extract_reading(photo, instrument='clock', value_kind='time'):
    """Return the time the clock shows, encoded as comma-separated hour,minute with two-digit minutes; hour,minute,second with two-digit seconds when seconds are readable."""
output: 7,17
